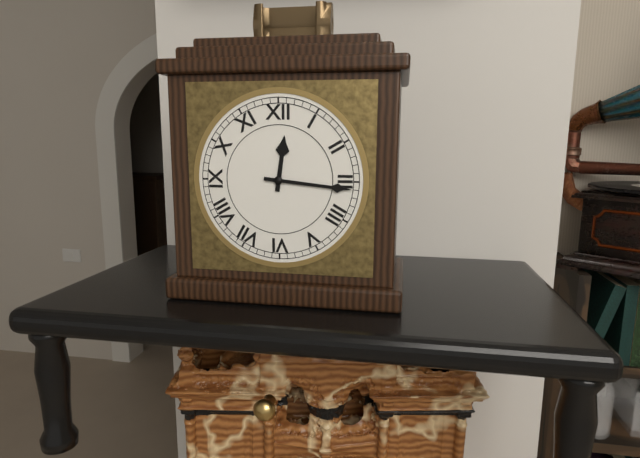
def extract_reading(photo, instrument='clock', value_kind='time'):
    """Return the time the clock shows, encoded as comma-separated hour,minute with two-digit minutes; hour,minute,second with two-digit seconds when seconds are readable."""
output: 12,16
